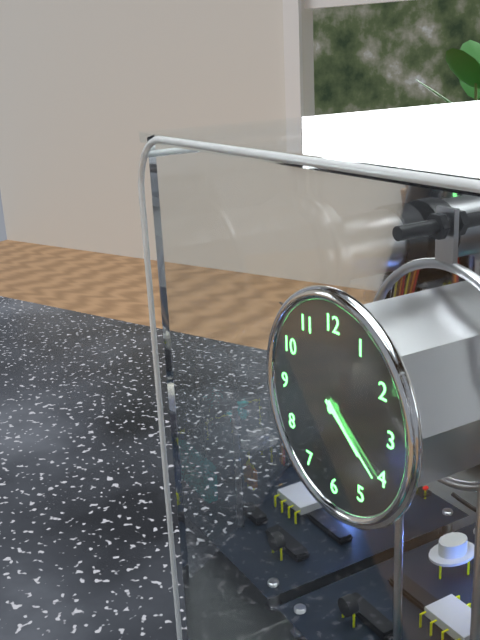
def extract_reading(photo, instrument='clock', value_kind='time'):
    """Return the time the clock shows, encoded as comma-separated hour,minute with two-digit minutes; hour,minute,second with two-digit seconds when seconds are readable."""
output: 4,21
